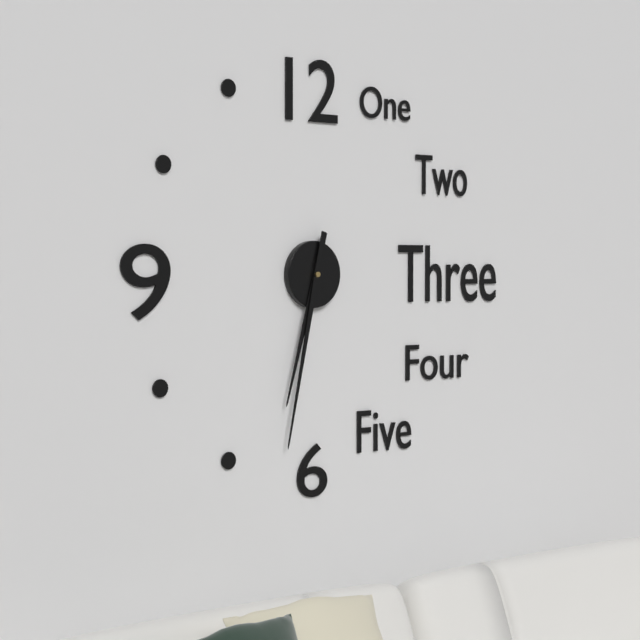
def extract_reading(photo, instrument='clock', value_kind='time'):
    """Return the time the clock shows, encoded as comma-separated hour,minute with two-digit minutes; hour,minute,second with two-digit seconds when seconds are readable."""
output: 6,32
